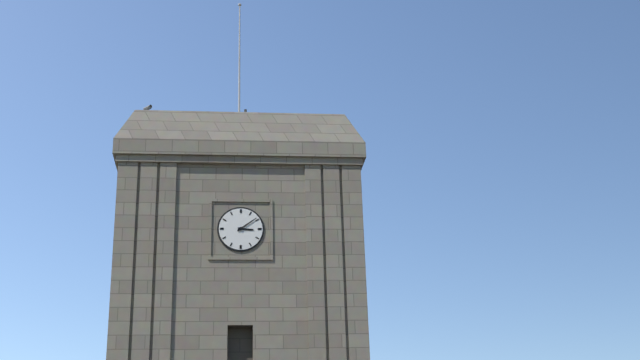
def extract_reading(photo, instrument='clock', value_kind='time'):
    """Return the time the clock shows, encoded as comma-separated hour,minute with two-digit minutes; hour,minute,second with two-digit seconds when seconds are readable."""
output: 3,09
